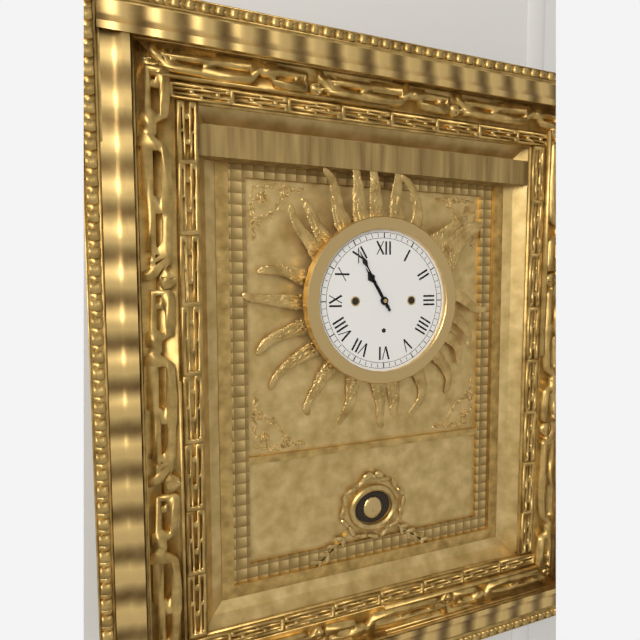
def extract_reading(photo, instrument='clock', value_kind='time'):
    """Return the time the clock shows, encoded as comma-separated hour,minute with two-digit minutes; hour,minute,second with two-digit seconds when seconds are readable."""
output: 10,55
